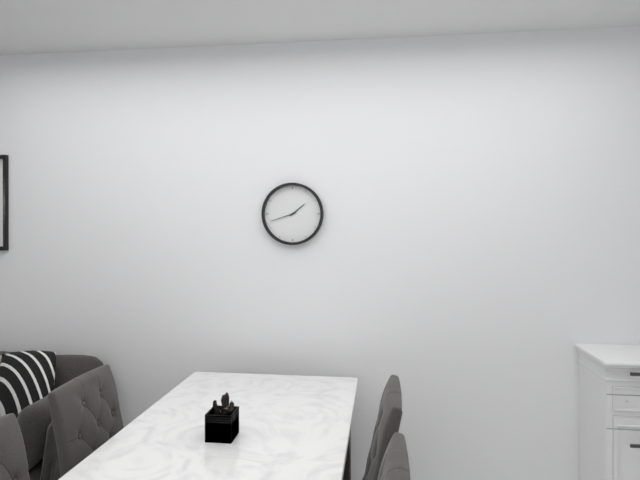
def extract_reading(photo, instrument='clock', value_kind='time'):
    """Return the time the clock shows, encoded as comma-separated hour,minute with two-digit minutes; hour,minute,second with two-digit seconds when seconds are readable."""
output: 1,42
